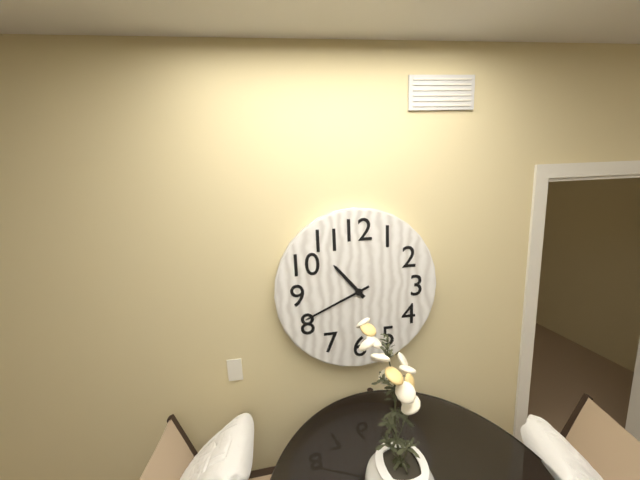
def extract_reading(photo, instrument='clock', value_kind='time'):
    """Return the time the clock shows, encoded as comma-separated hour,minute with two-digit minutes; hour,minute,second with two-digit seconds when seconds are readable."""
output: 10,41
